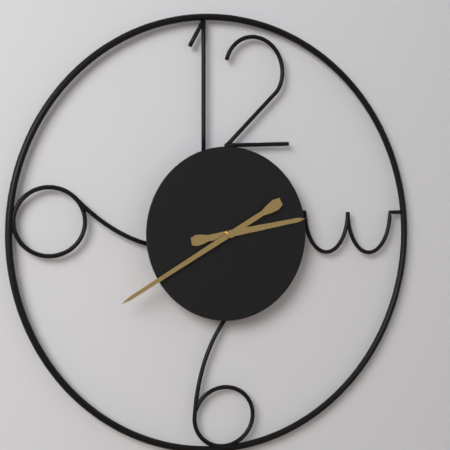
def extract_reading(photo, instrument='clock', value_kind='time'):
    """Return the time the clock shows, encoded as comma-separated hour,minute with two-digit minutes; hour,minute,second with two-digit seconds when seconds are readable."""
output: 2,40
